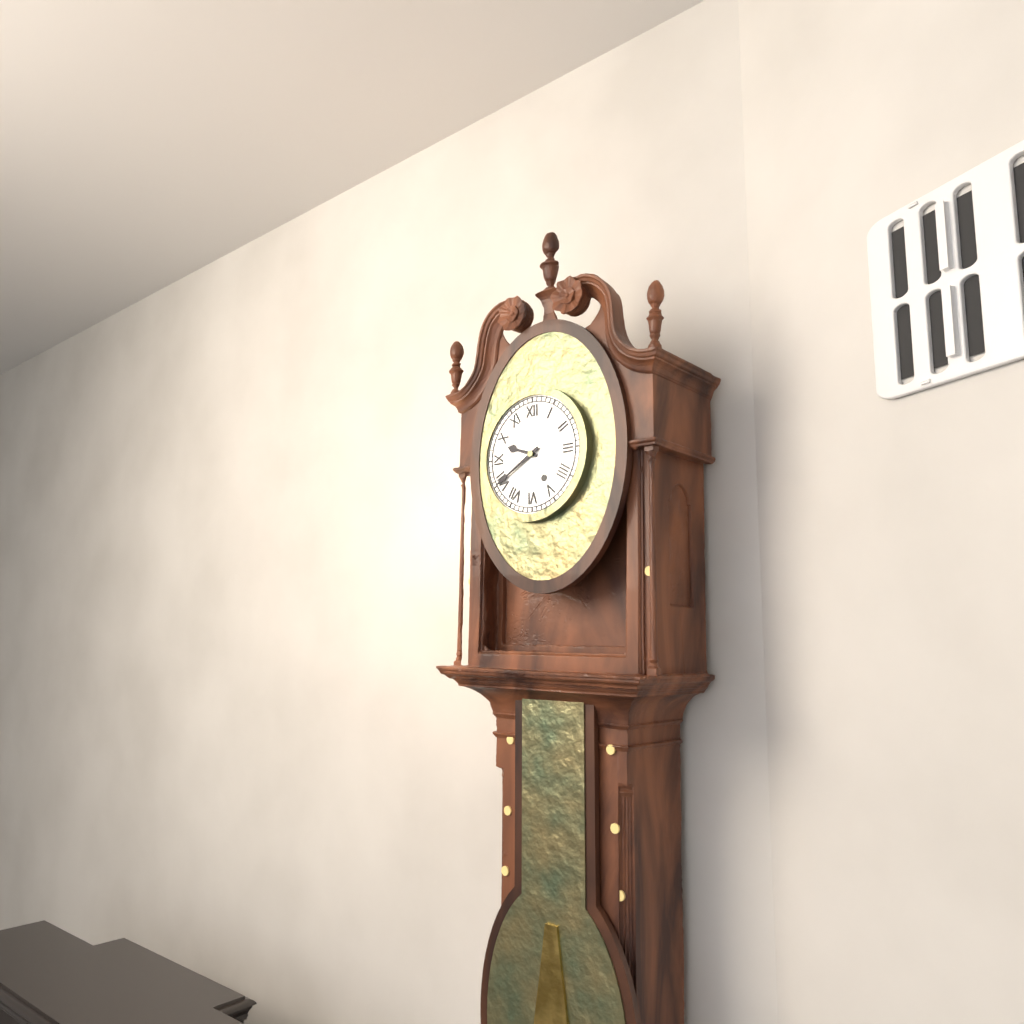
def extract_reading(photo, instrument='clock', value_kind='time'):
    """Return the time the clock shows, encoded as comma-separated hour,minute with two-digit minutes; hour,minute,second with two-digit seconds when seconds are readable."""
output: 9,40
